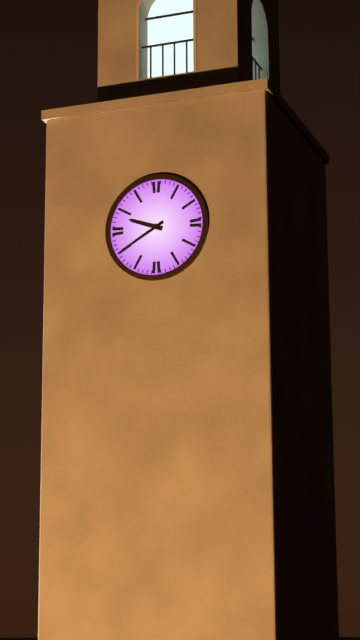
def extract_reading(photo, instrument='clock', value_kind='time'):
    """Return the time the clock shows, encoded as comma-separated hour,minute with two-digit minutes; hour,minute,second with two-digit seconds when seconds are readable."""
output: 9,40
